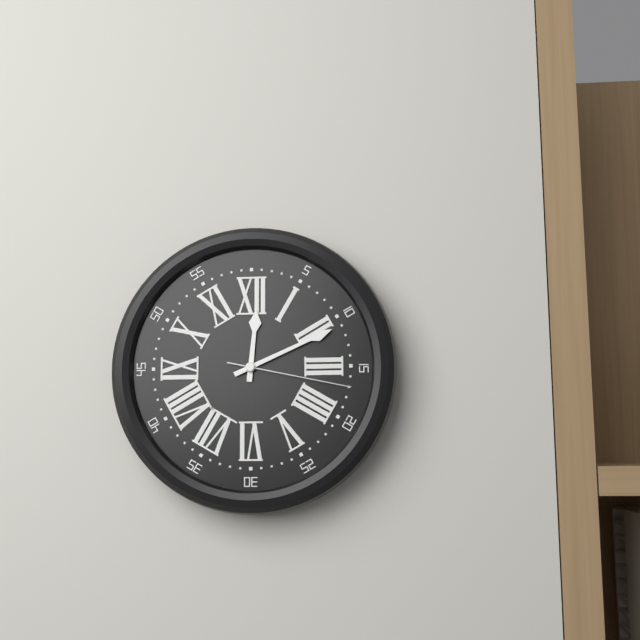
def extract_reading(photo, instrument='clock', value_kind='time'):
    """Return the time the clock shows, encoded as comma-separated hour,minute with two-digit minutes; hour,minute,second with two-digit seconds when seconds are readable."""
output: 12,11,17
